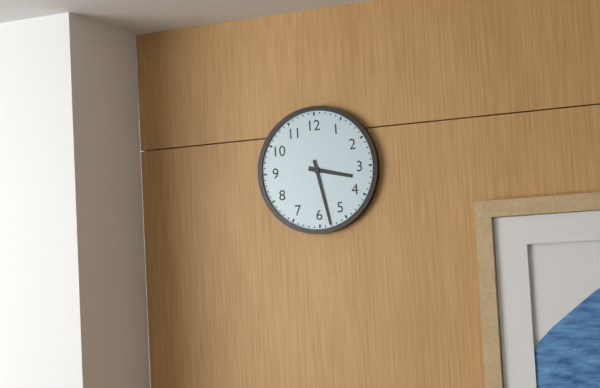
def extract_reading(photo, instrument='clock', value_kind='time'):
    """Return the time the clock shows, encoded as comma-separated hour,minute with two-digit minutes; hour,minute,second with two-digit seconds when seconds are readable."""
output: 3,28
